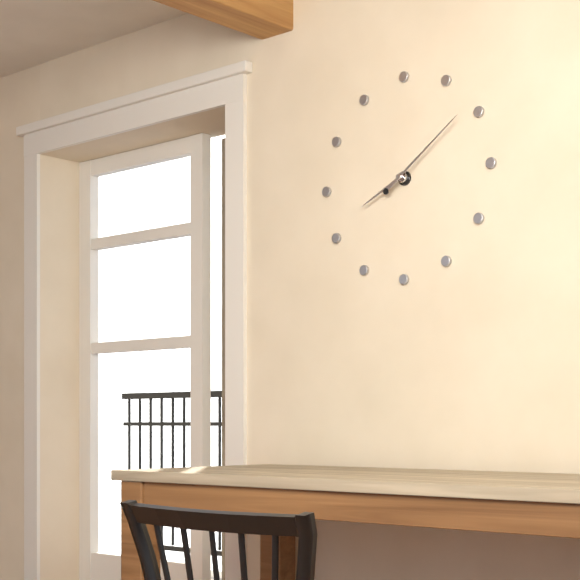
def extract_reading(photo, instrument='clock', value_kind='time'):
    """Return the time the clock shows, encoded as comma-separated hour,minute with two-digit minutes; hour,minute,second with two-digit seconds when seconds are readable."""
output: 8,09
